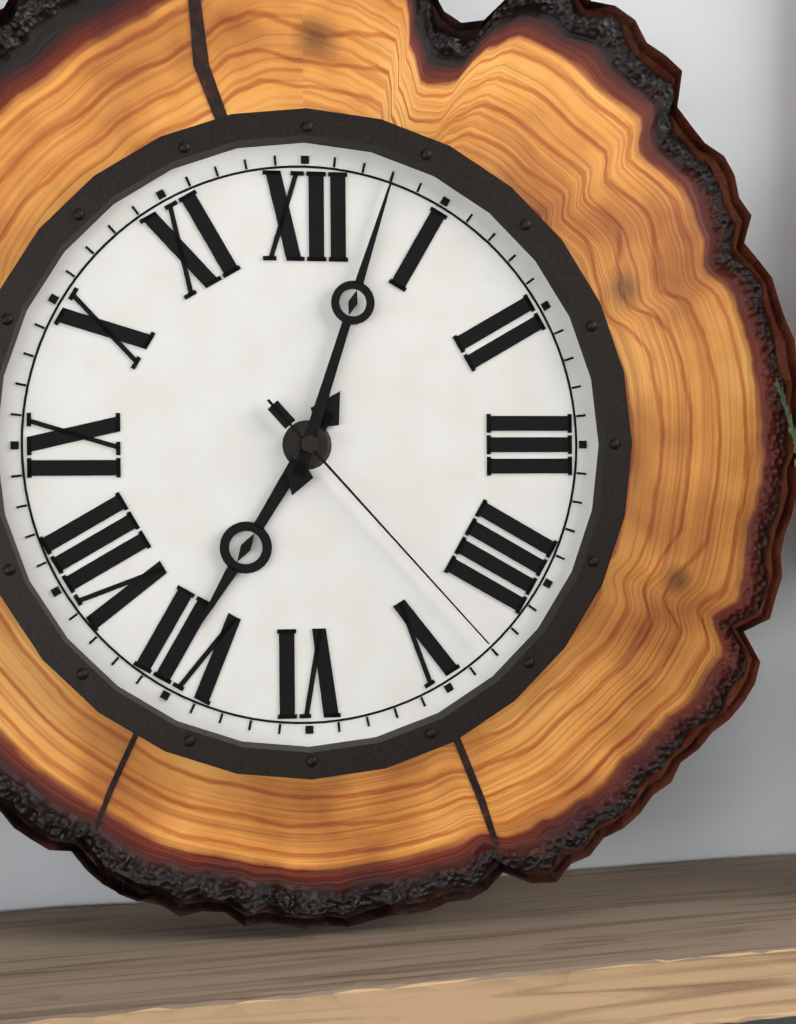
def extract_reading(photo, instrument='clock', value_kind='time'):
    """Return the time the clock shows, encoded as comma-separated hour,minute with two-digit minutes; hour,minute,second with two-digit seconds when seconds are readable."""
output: 7,03,23
